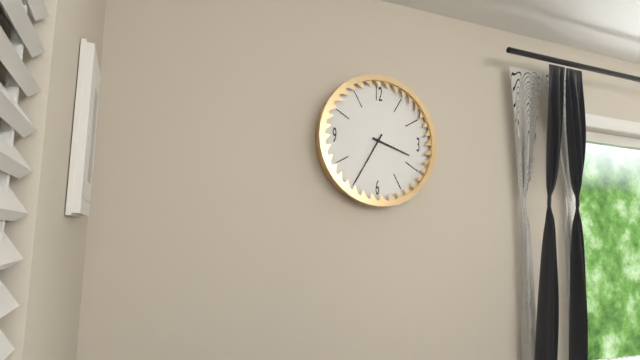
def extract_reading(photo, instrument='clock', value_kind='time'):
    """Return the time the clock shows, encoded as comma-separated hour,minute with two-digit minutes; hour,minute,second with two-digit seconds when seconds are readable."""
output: 3,35
